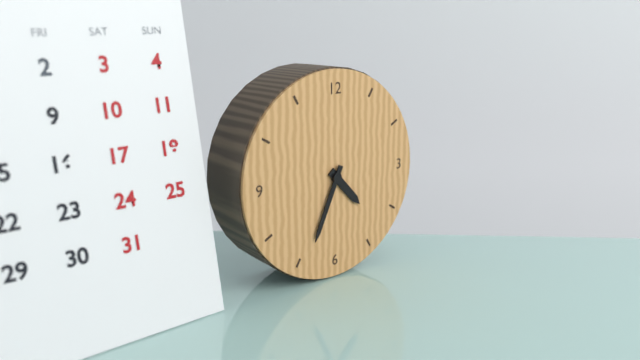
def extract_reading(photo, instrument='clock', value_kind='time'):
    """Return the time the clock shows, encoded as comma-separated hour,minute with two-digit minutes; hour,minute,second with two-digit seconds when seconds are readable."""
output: 4,34
